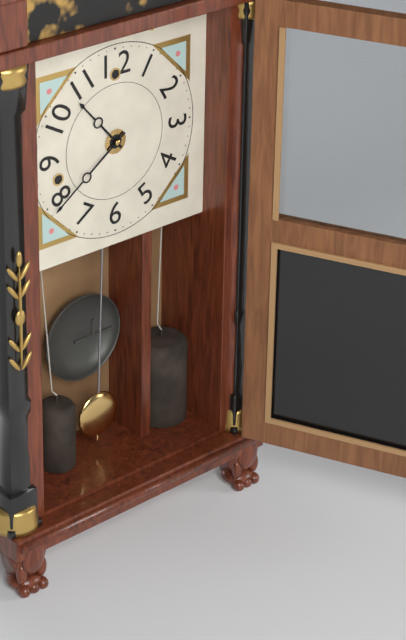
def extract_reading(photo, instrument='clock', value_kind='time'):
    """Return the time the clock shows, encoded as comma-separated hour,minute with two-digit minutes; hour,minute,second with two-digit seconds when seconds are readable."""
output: 10,39
